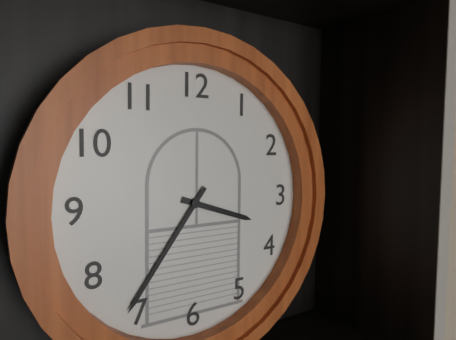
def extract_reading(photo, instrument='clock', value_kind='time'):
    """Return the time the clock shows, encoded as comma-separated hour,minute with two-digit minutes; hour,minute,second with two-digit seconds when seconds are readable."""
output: 3,36
